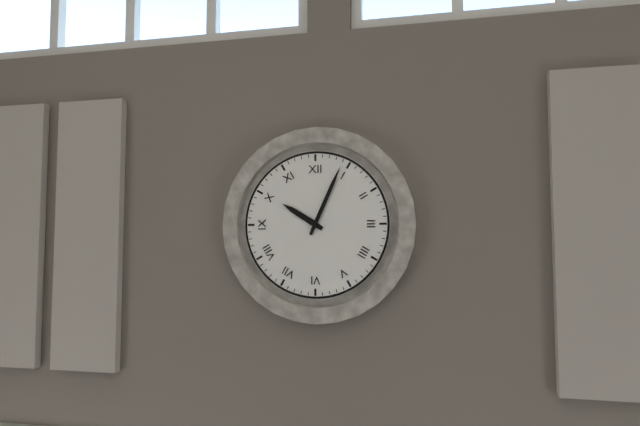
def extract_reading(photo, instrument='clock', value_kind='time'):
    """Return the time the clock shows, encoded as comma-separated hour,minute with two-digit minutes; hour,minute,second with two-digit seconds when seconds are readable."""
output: 10,04
